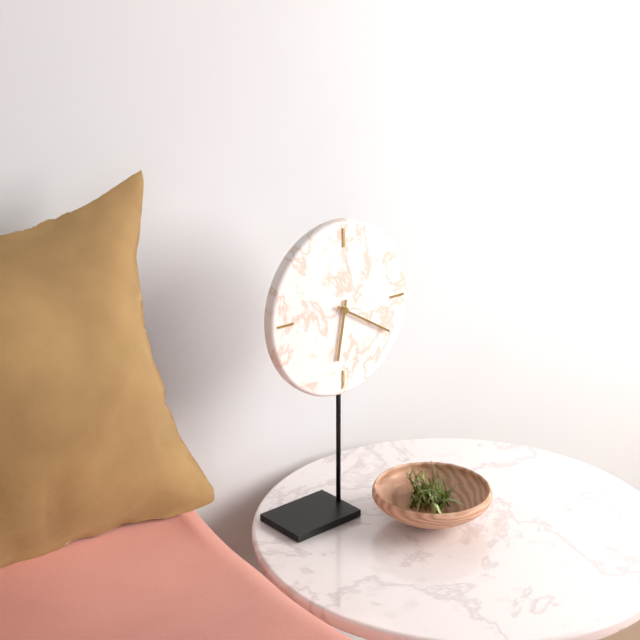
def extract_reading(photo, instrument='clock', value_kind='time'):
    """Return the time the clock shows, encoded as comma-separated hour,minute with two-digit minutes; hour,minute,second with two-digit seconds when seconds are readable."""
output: 6,20
